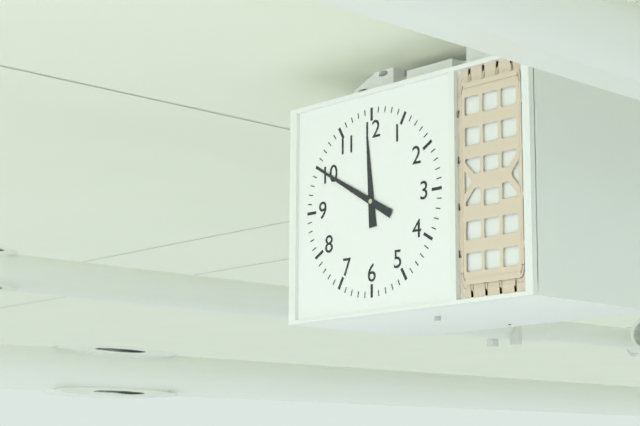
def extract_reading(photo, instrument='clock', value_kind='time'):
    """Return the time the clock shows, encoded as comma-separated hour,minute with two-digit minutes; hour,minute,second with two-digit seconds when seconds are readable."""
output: 11,50
